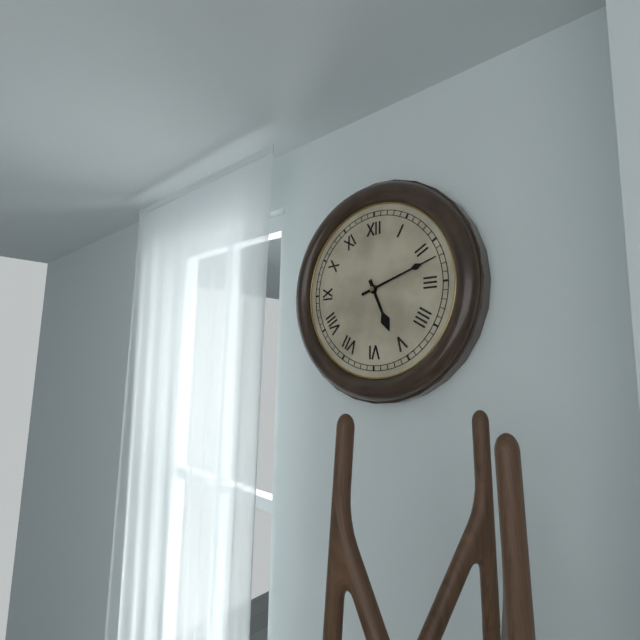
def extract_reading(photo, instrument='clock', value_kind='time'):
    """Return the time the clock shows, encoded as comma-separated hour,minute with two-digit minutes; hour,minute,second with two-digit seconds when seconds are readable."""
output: 5,12
